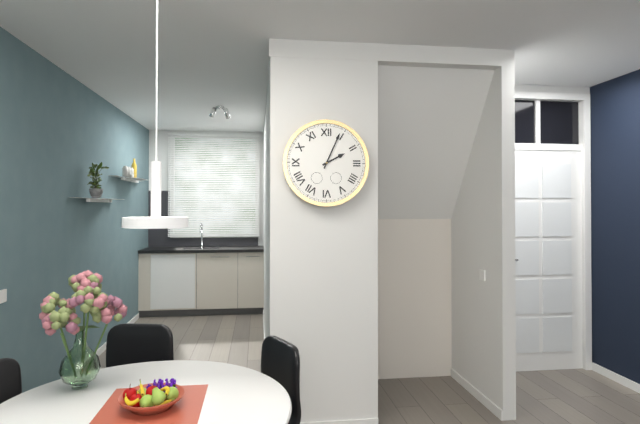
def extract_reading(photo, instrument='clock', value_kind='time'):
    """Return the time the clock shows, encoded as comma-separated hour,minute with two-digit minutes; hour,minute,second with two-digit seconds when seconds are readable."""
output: 2,04
